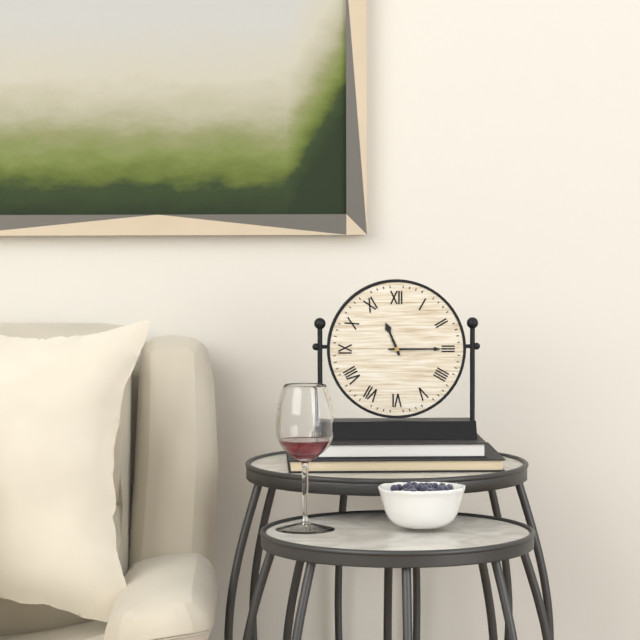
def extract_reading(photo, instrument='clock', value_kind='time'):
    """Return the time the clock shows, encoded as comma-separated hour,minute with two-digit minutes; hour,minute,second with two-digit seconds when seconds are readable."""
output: 11,15
